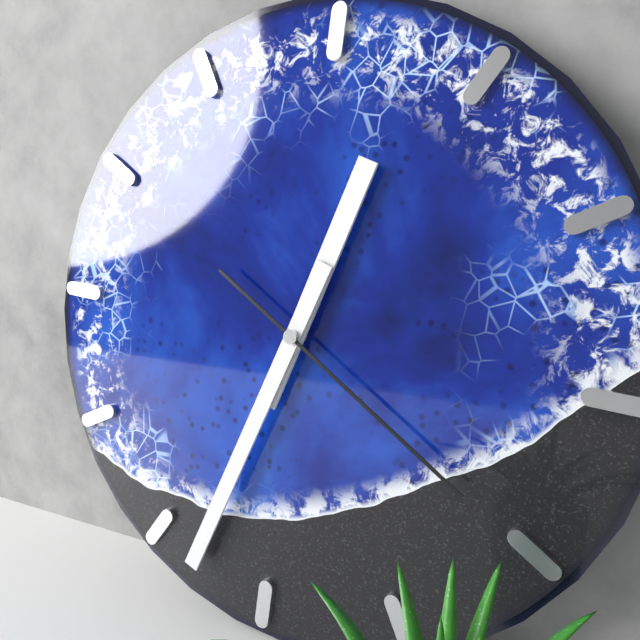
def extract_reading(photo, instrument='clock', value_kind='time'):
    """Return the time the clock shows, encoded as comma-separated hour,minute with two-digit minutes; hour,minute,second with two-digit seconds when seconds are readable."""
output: 12,33,20
